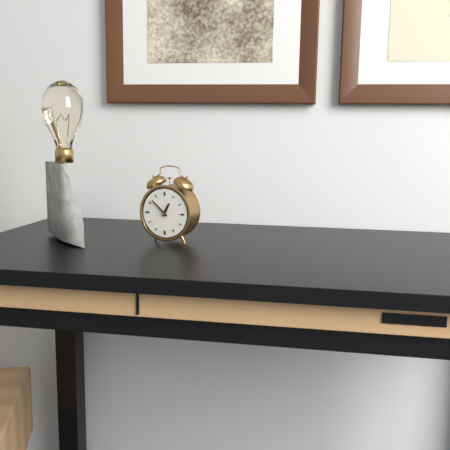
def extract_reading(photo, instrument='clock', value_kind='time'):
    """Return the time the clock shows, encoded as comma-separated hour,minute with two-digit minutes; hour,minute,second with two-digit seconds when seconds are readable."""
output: 12,52
